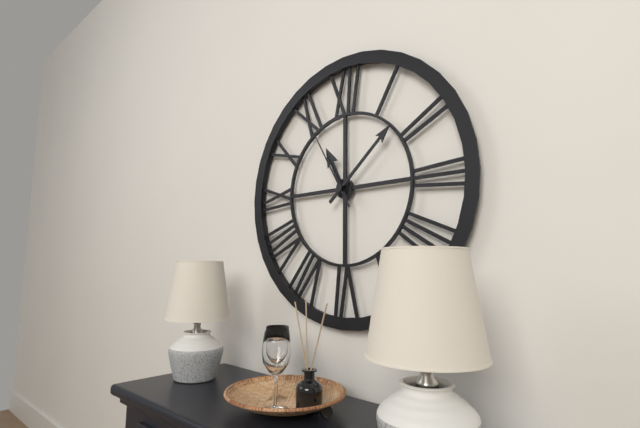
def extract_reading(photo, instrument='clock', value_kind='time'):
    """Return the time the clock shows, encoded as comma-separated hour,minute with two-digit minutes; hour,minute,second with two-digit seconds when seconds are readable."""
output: 11,08,55
